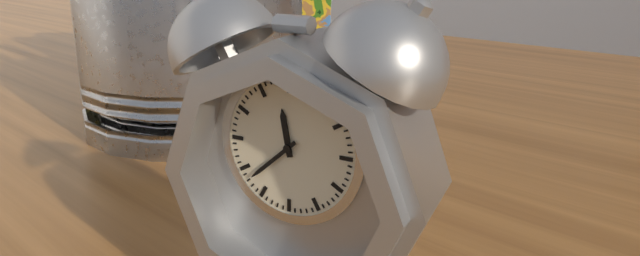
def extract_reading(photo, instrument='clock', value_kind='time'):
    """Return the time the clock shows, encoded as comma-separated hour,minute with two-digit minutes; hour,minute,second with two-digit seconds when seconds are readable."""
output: 11,38
